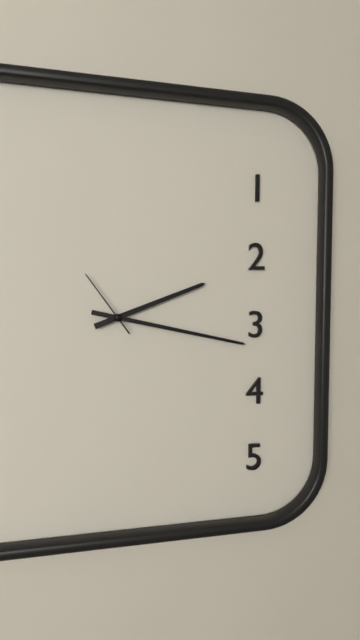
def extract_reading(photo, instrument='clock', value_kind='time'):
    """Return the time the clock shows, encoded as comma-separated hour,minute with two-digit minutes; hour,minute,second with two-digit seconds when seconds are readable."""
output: 2,17,54
